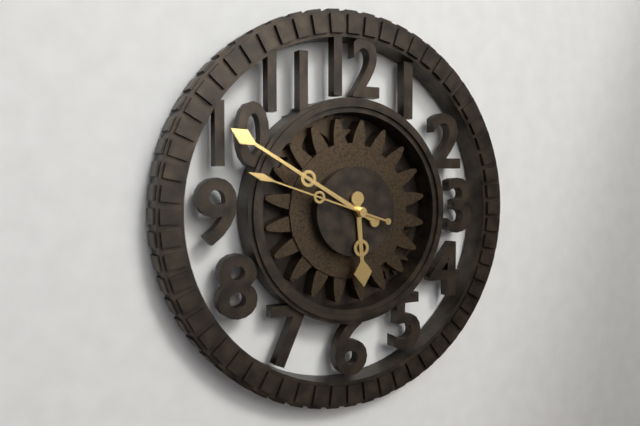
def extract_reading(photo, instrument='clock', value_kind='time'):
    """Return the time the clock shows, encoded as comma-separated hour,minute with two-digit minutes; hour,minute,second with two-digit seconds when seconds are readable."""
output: 5,50,48
